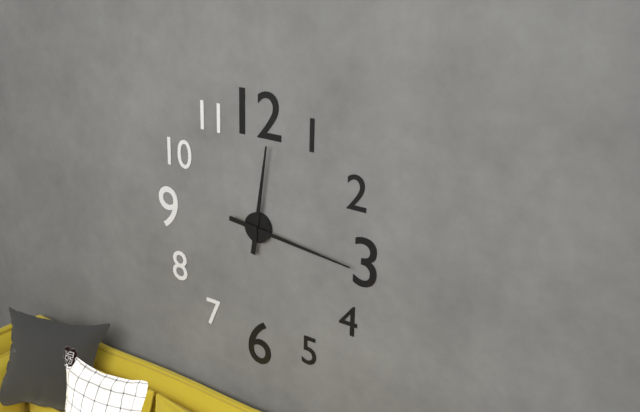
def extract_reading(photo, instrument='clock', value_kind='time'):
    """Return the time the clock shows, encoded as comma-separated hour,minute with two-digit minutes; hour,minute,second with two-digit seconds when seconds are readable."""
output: 12,16
